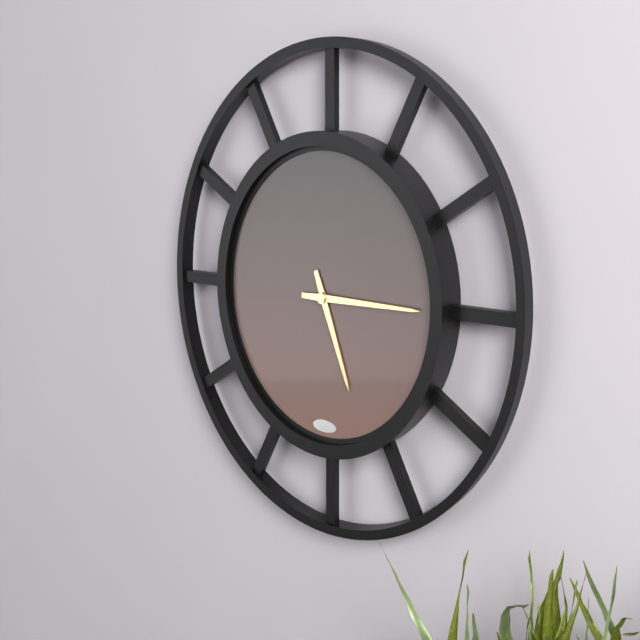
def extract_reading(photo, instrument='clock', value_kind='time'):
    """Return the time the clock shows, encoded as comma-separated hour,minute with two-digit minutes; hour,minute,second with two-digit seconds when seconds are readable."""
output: 5,15
